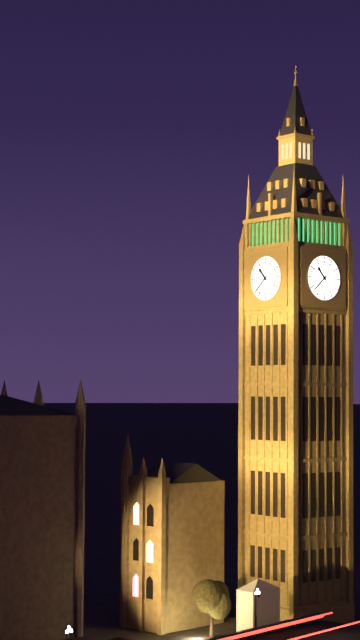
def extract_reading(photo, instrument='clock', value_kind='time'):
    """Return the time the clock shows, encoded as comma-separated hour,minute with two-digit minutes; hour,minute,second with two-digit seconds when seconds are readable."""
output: 10,38
